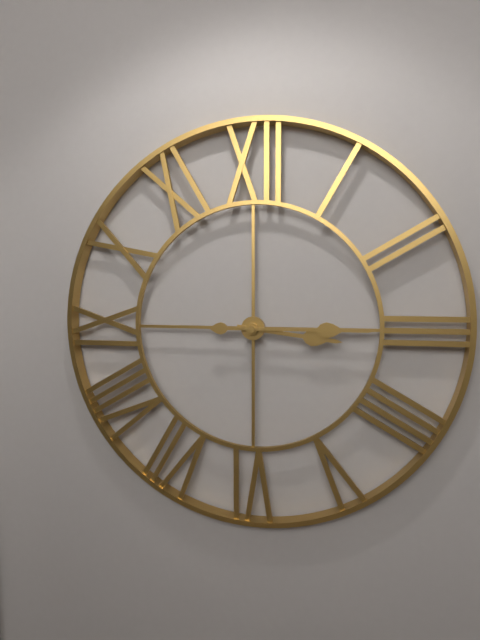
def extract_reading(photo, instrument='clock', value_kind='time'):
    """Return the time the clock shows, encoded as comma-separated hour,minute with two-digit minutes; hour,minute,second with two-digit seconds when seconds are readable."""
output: 3,15
